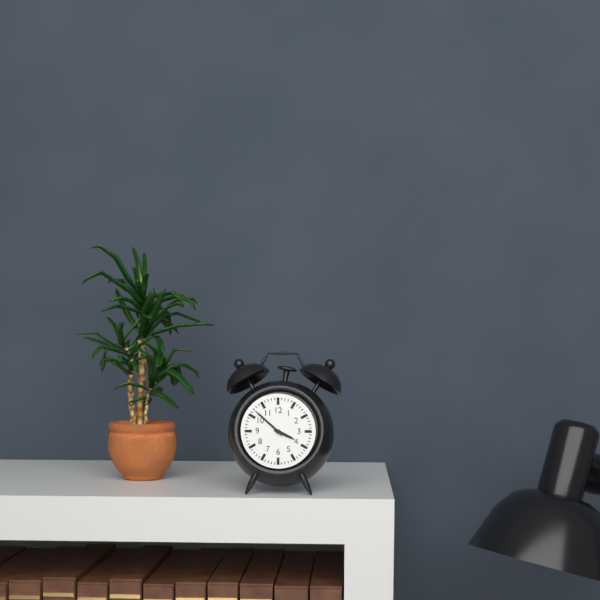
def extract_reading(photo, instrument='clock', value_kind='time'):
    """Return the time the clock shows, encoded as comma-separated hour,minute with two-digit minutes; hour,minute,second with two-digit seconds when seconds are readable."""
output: 3,52
